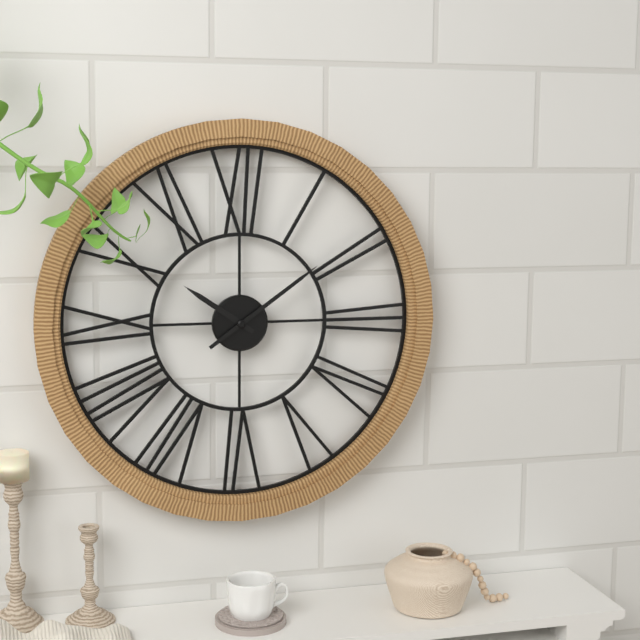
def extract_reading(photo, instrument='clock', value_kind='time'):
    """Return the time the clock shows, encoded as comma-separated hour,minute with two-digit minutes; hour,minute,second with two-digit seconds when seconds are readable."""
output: 10,09
